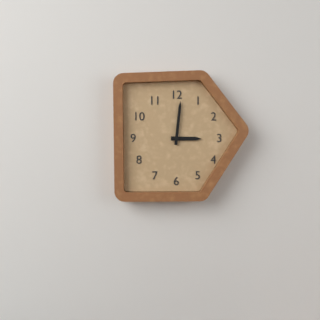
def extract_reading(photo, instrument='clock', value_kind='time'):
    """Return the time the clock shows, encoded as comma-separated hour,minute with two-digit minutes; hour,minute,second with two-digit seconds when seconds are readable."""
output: 3,01
